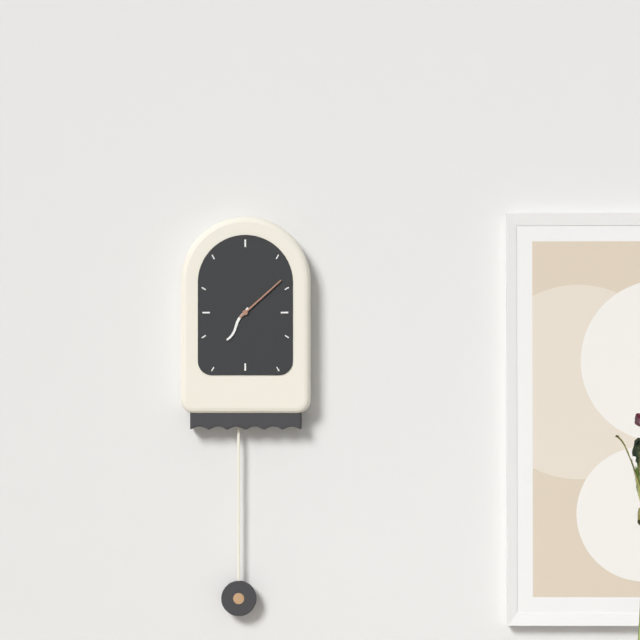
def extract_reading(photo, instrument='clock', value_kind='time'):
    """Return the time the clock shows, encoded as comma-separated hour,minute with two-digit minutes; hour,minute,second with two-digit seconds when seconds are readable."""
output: 7,08
